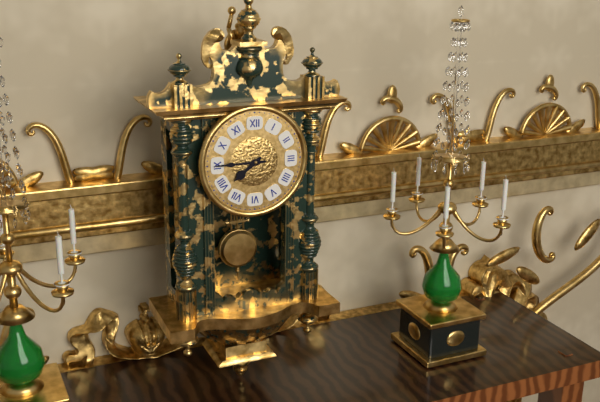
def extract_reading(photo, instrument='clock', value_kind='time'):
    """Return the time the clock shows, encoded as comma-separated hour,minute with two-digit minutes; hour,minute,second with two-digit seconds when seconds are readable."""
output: 7,45
